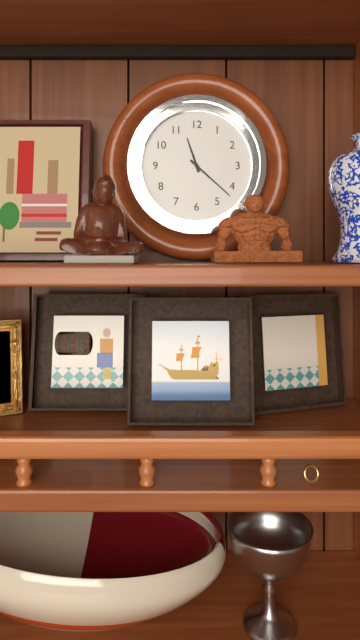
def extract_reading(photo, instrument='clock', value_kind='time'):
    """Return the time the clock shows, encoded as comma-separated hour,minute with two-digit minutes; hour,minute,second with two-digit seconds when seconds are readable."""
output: 11,22
